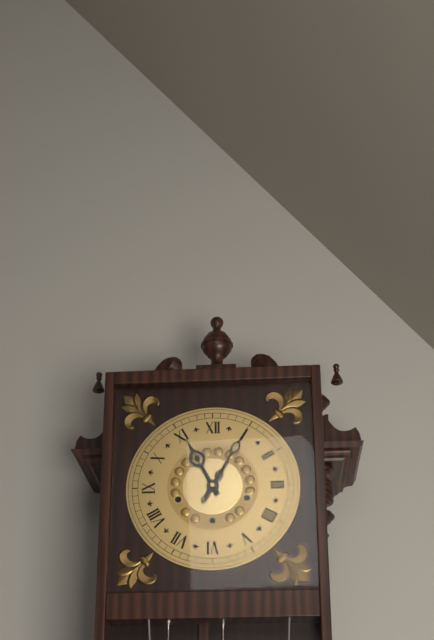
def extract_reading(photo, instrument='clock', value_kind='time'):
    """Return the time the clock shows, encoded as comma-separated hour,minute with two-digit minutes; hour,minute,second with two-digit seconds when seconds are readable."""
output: 11,05
